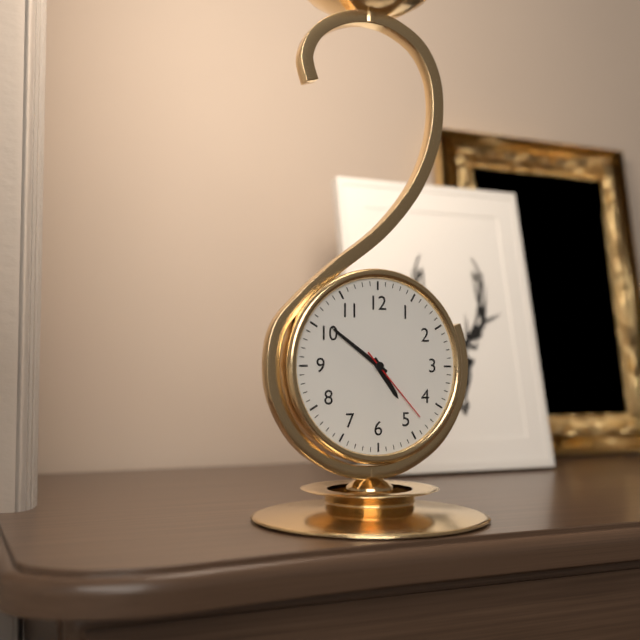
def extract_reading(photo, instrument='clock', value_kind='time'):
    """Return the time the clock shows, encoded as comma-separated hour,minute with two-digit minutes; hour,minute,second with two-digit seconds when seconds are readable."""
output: 4,51,23
